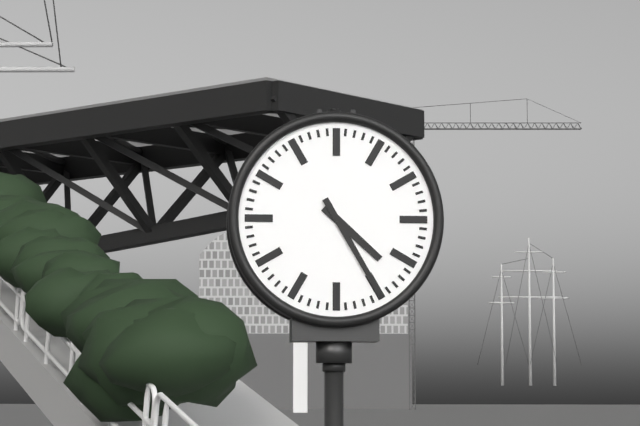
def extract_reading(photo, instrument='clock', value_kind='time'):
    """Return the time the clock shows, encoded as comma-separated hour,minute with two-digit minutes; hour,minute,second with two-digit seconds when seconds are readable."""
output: 4,25
